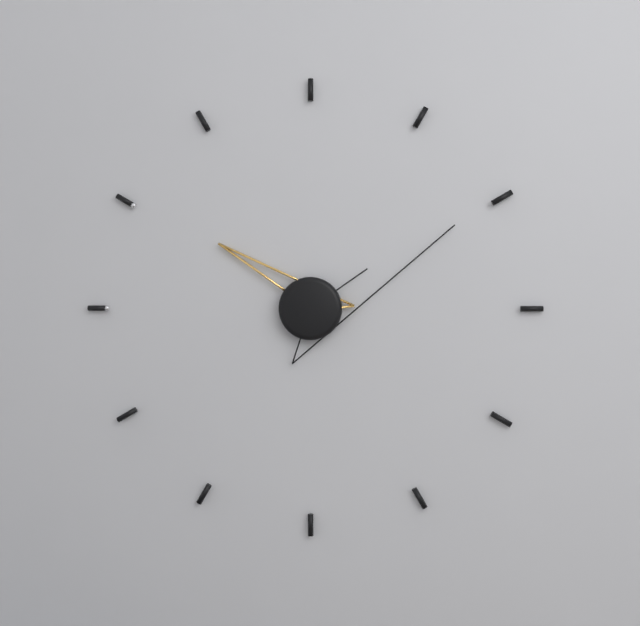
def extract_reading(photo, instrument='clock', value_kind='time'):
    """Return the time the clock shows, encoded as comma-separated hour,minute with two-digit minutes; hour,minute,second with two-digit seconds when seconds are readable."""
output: 10,10
